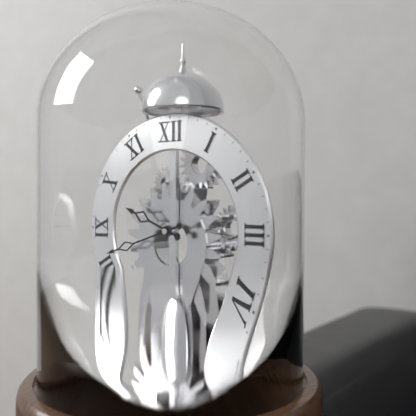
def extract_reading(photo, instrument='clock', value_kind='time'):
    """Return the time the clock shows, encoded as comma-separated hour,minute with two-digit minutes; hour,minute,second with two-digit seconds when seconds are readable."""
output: 9,42
